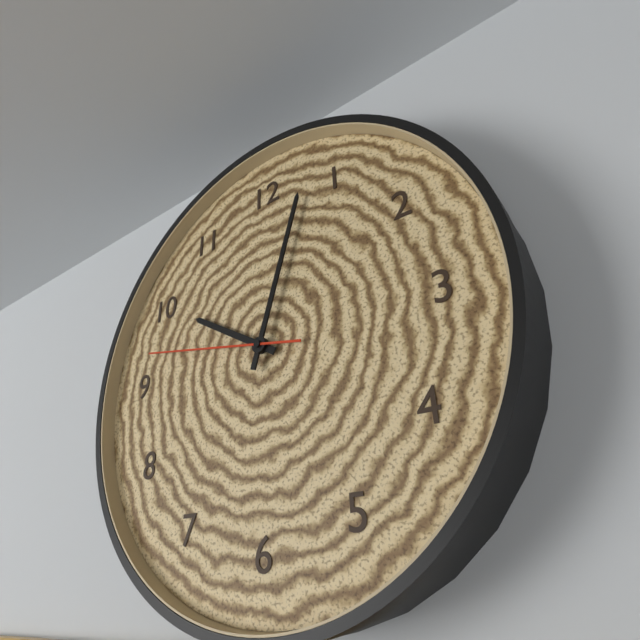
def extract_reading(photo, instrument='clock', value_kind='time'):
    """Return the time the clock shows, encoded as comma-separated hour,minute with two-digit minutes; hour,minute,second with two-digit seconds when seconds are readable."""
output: 10,03,47
